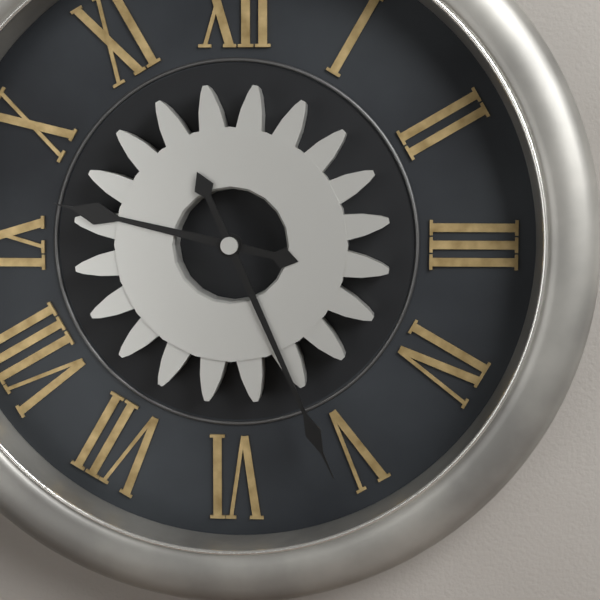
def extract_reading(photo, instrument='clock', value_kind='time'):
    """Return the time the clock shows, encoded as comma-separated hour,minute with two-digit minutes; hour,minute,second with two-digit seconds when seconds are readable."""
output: 9,26
